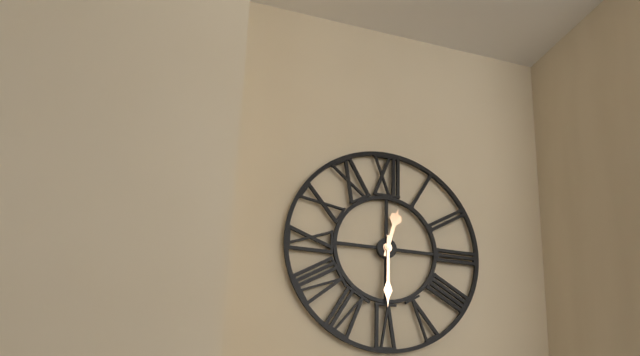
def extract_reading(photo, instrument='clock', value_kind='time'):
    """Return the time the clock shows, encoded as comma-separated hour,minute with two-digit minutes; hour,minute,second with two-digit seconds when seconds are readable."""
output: 12,30
